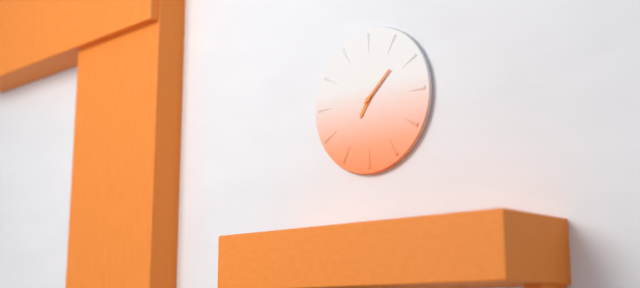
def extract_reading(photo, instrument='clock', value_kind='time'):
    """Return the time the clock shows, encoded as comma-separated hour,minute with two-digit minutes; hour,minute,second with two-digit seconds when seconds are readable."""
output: 7,08
